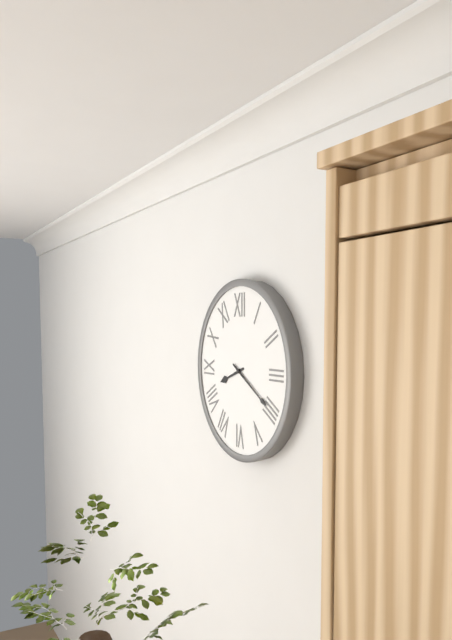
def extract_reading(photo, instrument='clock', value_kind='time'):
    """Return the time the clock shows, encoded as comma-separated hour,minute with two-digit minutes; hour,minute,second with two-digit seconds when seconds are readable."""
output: 8,20
